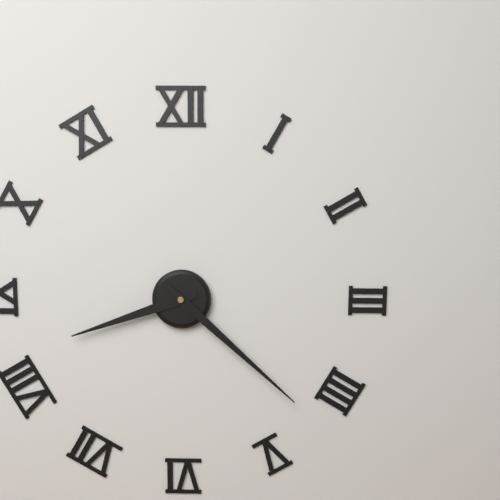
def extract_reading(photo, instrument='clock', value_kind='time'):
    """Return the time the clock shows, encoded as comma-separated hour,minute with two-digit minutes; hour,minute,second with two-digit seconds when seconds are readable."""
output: 8,22
